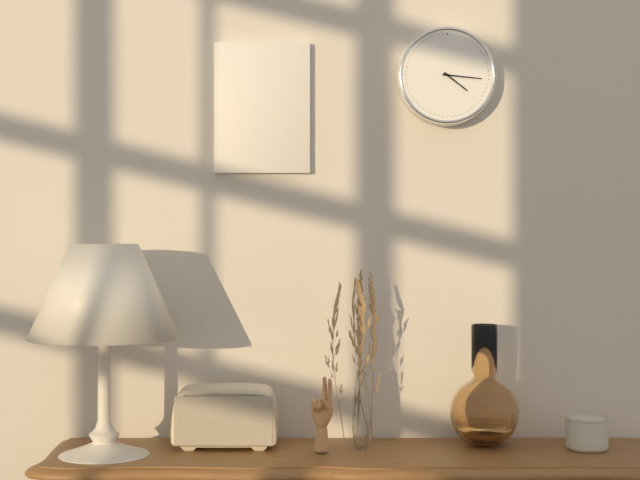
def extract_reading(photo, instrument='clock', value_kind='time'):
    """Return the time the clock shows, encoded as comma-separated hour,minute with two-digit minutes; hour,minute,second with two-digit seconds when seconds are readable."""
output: 4,16
